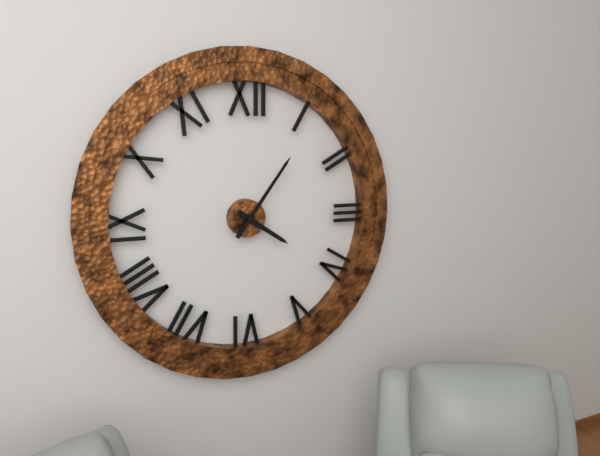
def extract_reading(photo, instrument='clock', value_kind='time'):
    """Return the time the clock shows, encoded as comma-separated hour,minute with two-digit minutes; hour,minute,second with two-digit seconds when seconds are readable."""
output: 4,06
